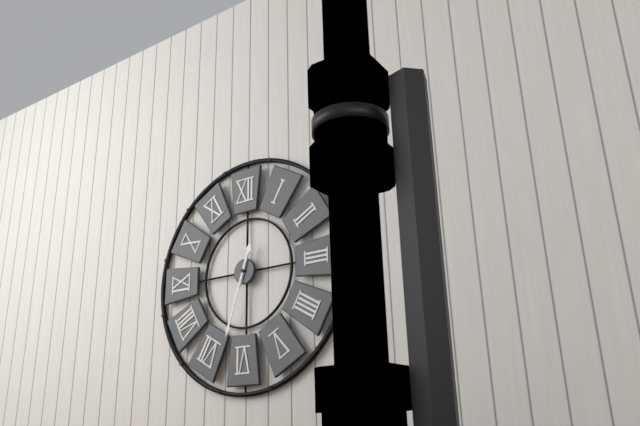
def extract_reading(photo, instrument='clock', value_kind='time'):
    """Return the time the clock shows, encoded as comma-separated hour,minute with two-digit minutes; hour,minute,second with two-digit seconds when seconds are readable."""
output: 12,33
